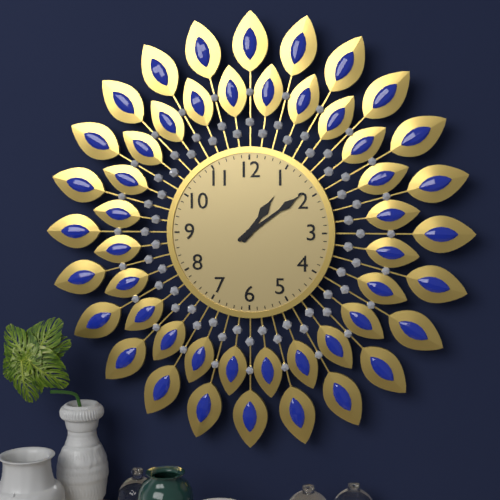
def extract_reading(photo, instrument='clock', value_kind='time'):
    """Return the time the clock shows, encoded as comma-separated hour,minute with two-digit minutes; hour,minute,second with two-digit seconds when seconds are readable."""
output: 1,09
